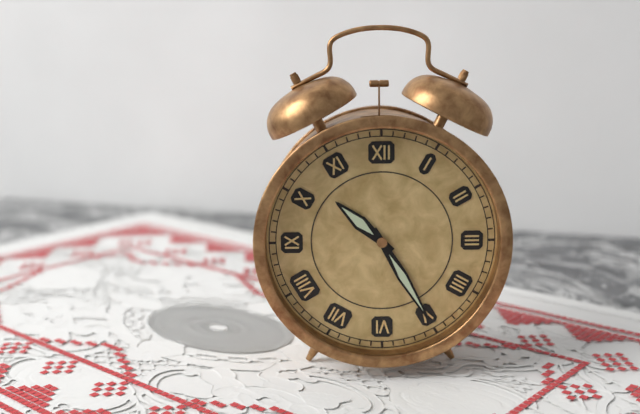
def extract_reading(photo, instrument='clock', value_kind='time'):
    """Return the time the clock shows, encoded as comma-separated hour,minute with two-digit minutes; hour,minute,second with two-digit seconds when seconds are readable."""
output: 10,25
